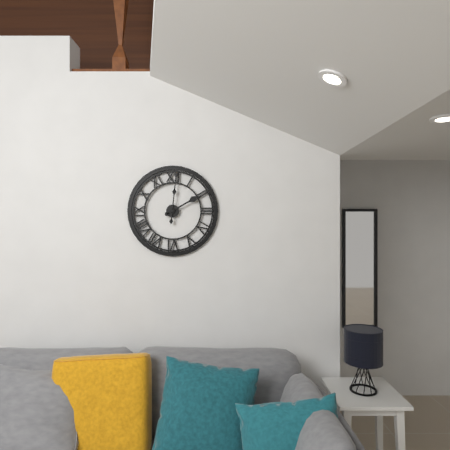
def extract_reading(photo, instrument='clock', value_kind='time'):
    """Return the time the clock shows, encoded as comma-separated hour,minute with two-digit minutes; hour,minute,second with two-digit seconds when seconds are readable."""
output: 2,01
